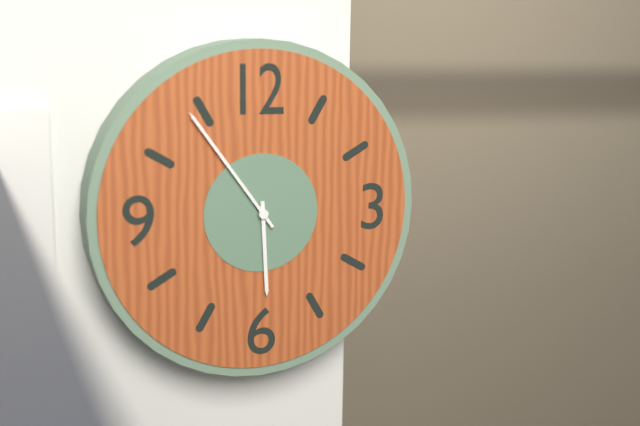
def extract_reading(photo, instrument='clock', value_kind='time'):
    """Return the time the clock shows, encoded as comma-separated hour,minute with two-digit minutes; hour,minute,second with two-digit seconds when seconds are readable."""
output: 5,54
